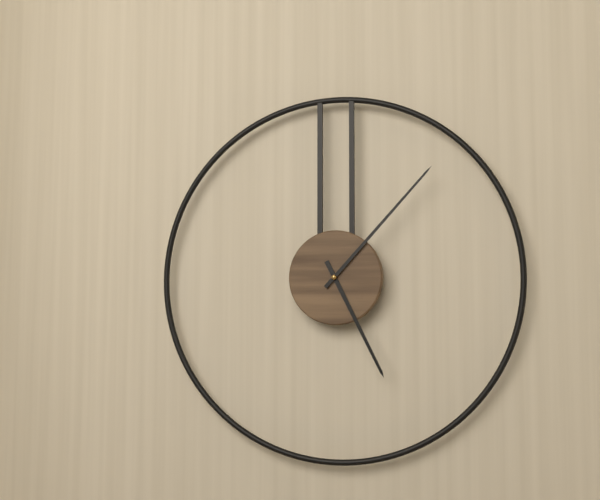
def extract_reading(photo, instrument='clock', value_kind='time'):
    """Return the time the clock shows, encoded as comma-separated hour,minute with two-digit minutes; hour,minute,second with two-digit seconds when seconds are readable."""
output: 5,07
